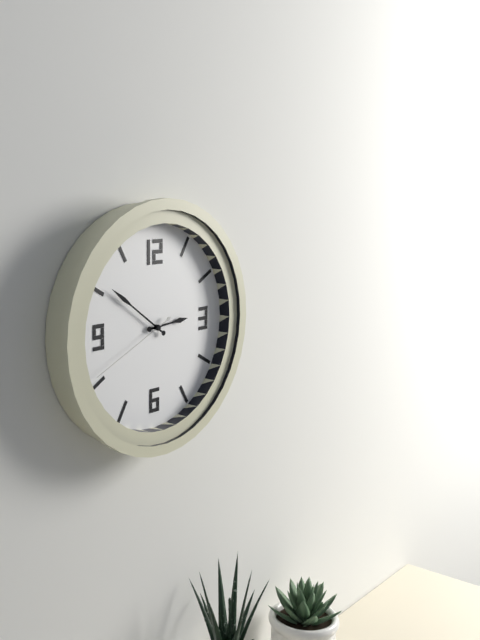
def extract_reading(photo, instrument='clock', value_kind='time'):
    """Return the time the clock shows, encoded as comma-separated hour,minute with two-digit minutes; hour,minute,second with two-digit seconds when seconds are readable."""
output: 2,51,41
